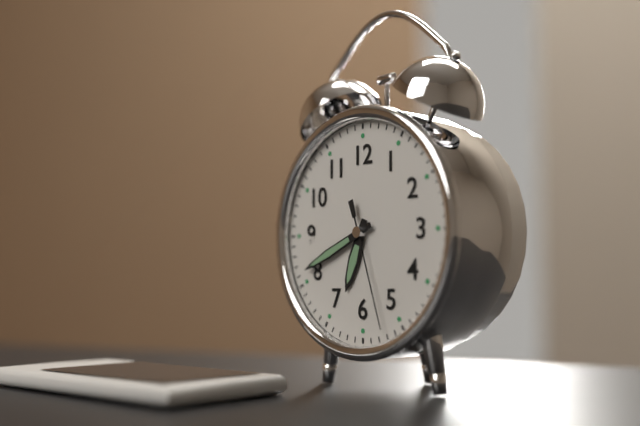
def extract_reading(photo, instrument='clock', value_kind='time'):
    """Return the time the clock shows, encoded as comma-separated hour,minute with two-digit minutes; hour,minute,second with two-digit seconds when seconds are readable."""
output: 6,41,27
